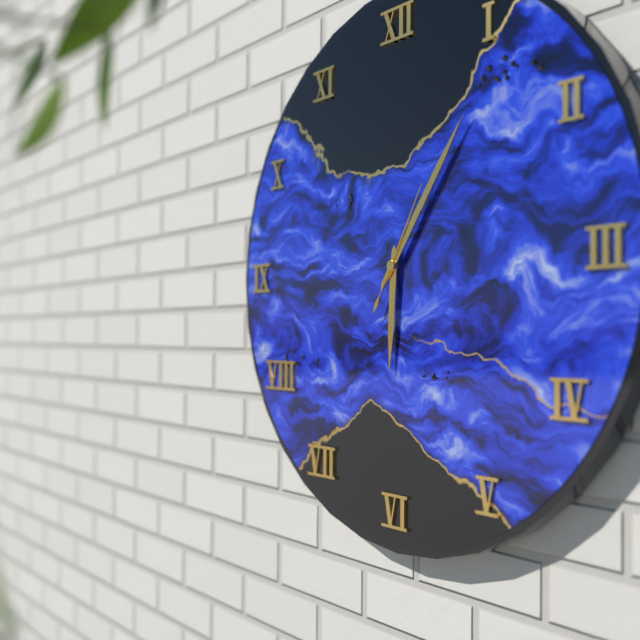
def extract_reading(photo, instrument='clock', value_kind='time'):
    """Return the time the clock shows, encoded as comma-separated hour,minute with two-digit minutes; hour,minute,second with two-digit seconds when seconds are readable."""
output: 6,06,05
